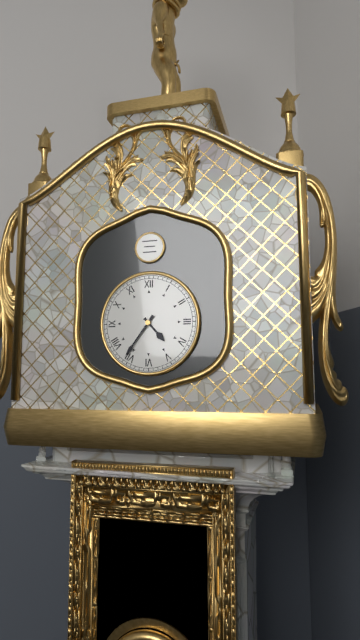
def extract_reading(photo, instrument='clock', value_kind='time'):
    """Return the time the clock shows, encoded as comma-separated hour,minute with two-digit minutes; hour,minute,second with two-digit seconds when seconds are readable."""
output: 4,36
